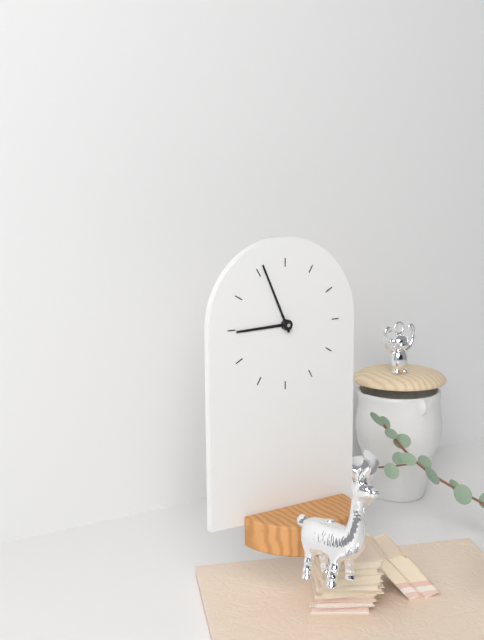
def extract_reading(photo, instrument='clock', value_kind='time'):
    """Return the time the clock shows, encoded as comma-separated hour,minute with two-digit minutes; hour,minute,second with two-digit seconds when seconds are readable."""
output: 8,56
